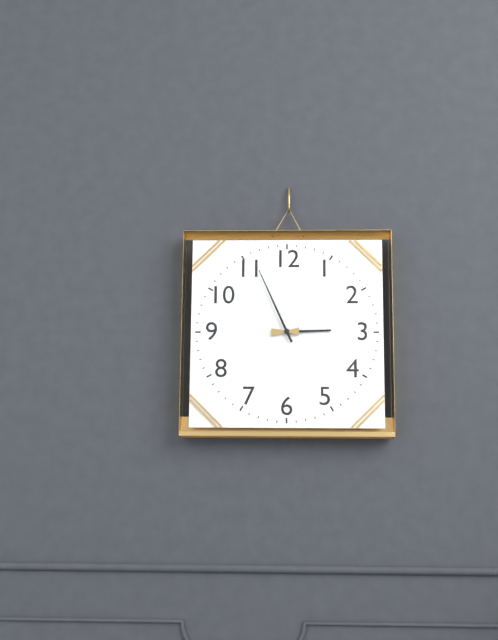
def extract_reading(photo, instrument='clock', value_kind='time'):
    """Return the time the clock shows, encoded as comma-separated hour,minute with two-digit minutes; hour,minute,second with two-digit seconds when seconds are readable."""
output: 2,56
